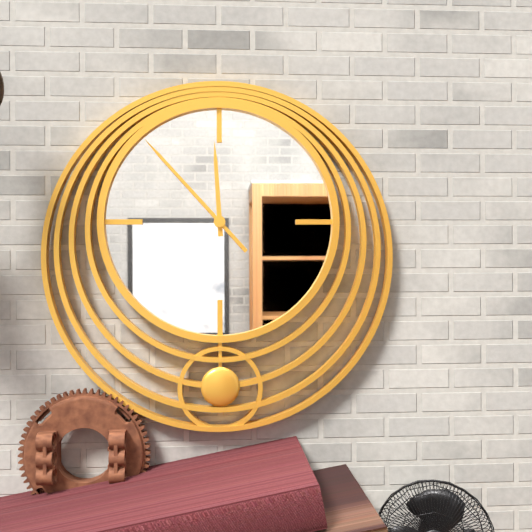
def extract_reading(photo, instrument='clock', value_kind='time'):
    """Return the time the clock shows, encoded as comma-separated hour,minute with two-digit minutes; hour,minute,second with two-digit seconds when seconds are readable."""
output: 11,53
